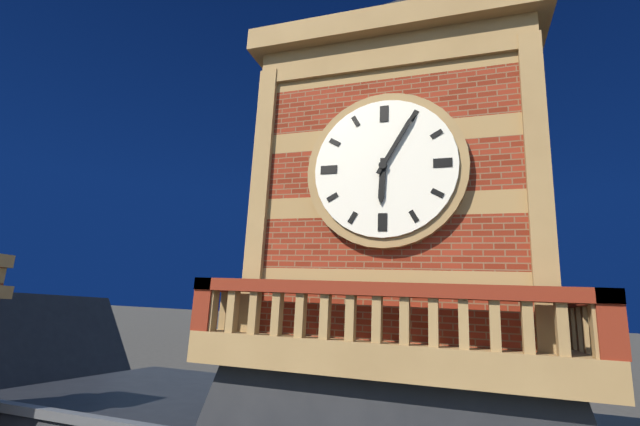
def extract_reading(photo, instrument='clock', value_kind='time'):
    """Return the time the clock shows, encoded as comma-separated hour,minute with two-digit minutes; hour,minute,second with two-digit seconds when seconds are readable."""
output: 6,05
